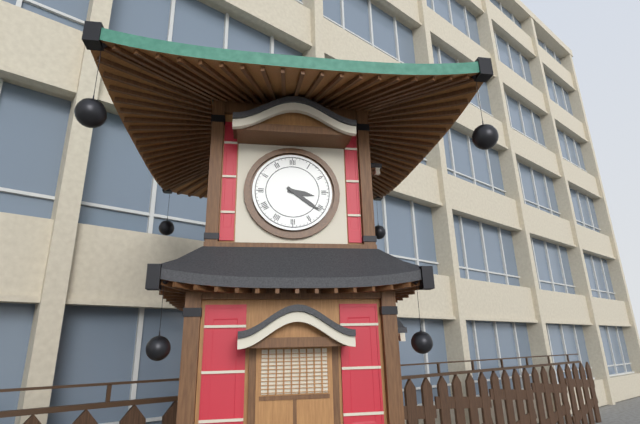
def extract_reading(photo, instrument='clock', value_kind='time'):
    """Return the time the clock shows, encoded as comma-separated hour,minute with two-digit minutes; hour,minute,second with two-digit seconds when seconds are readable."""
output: 3,21
